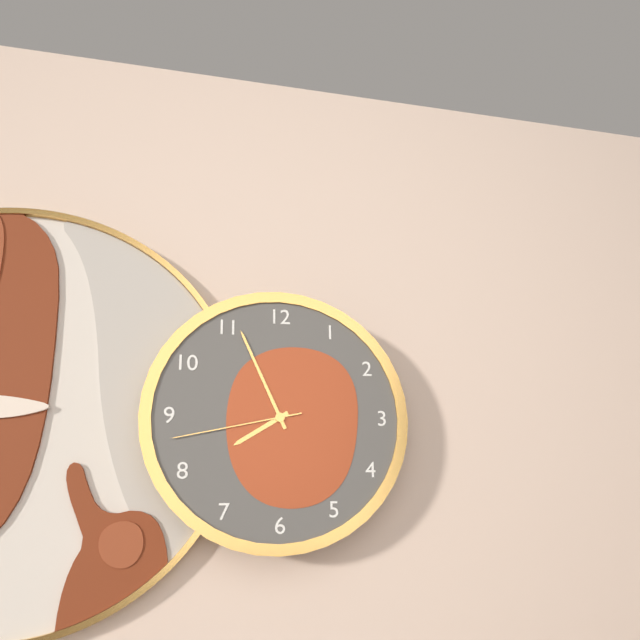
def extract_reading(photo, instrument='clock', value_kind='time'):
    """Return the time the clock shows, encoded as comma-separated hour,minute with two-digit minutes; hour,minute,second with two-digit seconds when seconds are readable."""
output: 7,56,43
